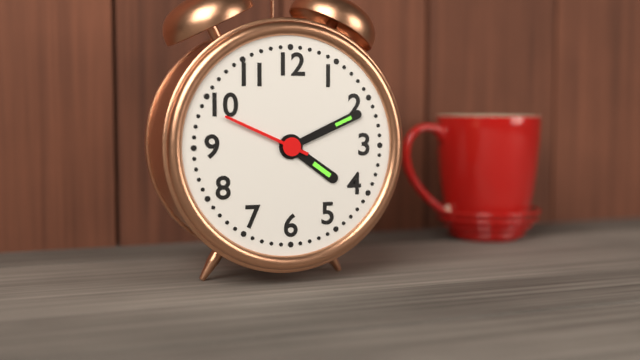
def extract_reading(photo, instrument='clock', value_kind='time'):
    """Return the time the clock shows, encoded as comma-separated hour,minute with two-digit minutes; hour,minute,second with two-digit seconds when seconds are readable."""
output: 4,11,49
